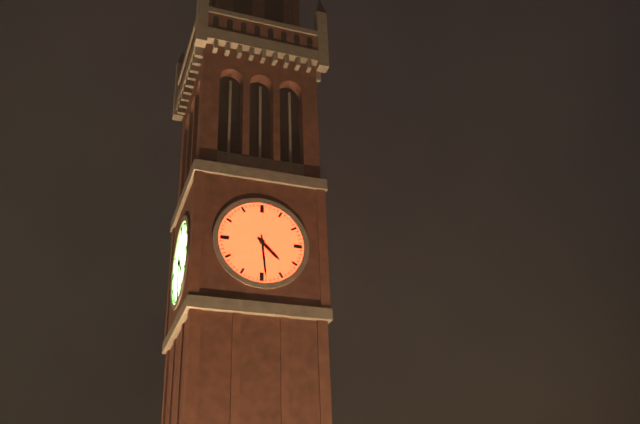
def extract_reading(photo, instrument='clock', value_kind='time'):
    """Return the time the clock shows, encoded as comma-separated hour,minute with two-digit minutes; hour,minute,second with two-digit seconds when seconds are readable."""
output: 4,29
